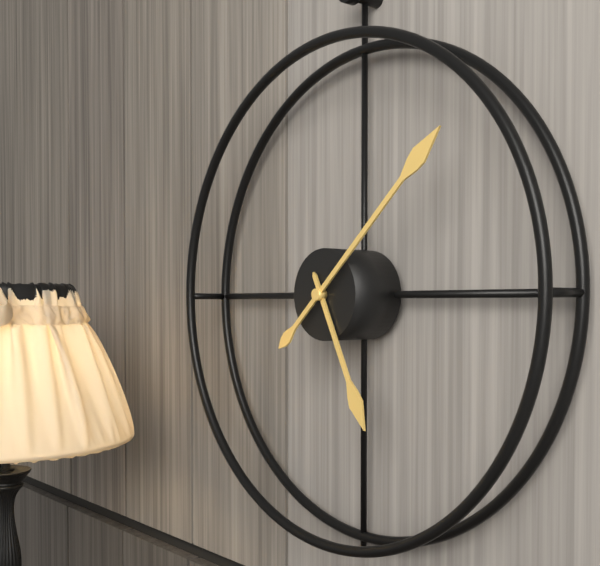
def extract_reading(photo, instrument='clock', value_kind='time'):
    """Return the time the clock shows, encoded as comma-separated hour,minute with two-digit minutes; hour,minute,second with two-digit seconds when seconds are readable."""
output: 5,08
